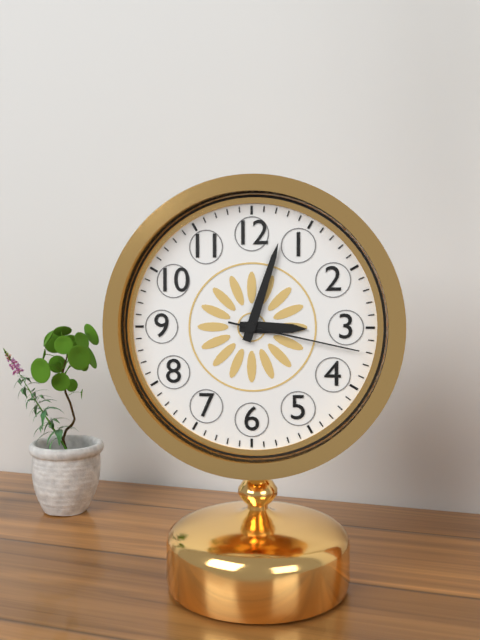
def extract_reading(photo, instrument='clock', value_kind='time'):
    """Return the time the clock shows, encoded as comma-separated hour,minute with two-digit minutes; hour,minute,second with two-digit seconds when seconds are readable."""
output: 3,03,17
